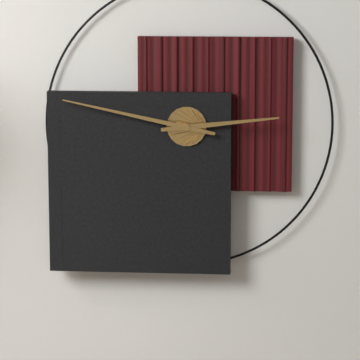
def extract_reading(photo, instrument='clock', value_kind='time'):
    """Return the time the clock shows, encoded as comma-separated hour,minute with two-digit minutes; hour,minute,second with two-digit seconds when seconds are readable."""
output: 2,47
